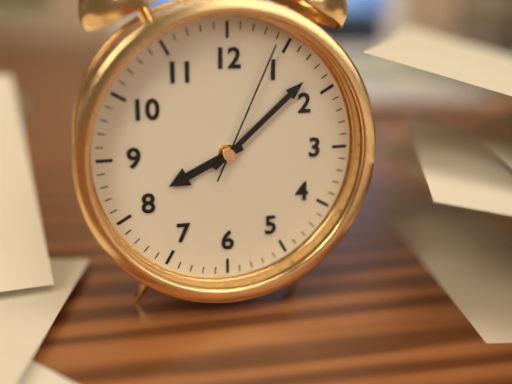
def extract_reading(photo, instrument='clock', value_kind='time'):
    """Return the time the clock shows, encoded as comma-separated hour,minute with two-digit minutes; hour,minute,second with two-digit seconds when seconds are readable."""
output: 8,08,04
